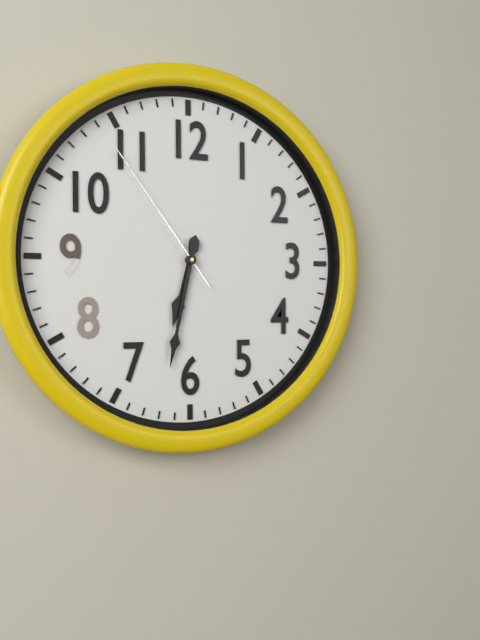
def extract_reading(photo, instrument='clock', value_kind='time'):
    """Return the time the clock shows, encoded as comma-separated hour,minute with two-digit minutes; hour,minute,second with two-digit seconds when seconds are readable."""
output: 6,32,54
